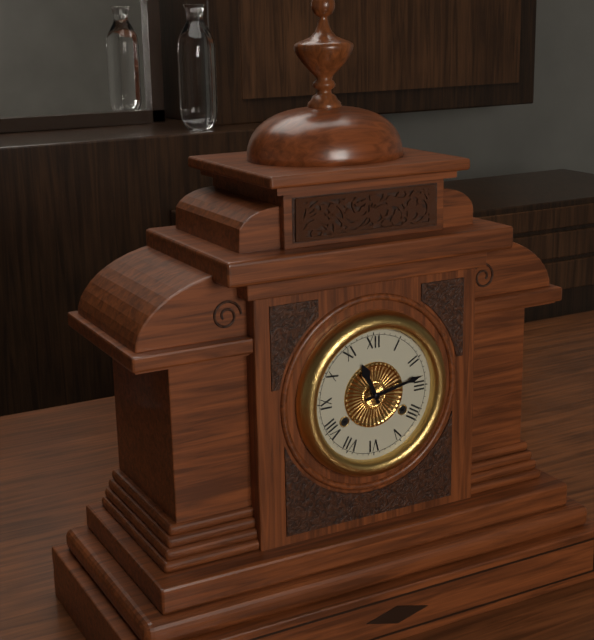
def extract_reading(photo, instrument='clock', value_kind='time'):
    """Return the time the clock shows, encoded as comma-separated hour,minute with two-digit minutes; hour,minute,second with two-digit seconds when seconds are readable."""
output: 11,13
